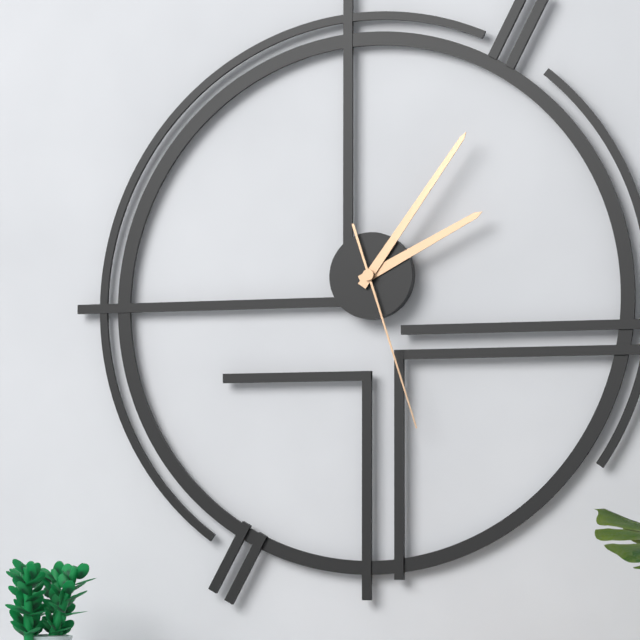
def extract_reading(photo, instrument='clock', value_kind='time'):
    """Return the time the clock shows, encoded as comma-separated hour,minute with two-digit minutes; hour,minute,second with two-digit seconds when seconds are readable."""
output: 2,06,27
